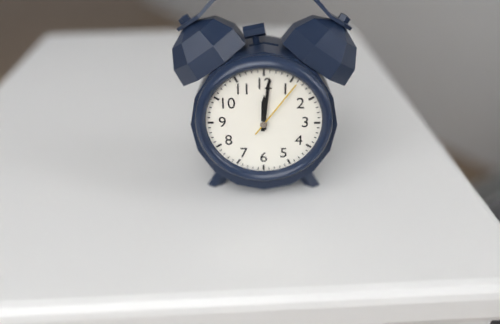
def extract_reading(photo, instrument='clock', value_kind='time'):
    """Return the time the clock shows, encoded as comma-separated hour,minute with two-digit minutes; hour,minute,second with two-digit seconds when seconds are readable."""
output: 12,01,06
